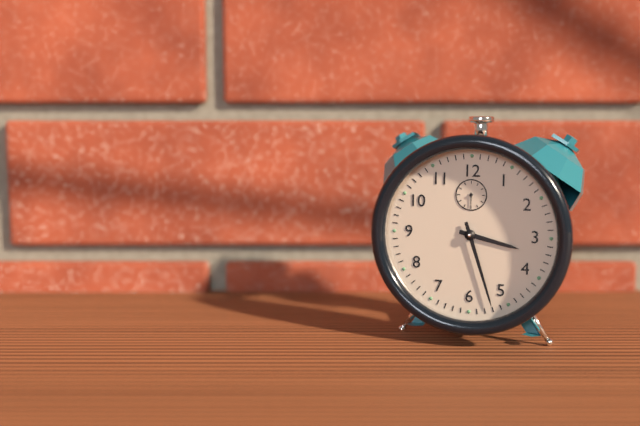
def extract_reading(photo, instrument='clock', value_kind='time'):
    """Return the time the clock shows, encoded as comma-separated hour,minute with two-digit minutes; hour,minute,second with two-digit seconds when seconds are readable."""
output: 3,27
